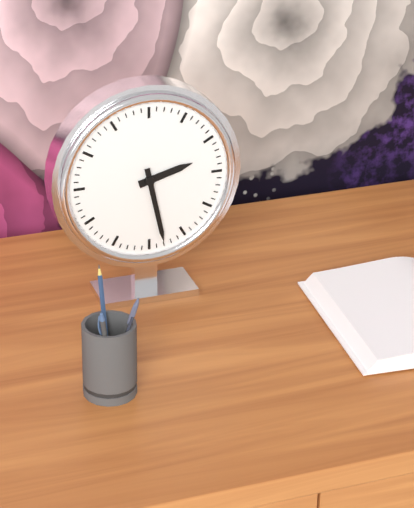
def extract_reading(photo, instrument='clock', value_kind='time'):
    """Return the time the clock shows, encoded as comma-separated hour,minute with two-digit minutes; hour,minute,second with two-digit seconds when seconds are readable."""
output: 2,28
